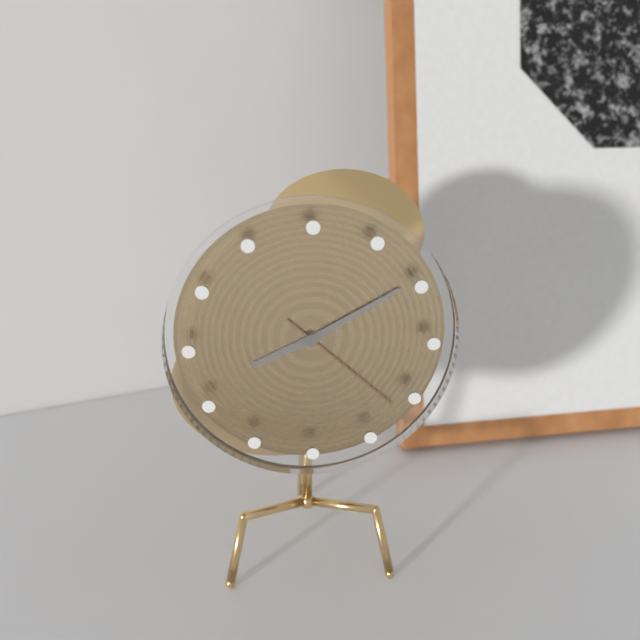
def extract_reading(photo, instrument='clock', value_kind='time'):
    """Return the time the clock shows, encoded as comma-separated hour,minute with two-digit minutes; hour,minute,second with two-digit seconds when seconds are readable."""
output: 8,10,22
